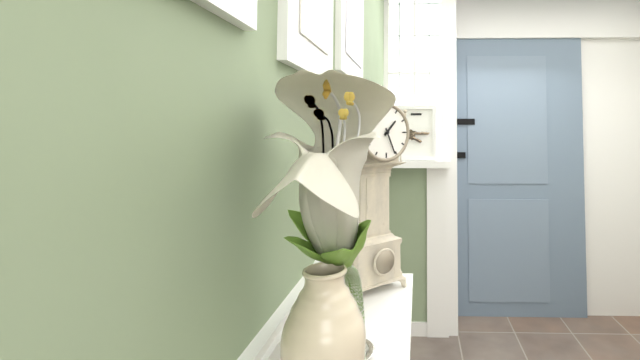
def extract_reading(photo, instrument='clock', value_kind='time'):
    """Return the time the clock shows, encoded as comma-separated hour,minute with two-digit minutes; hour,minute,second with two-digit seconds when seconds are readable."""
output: 1,26
